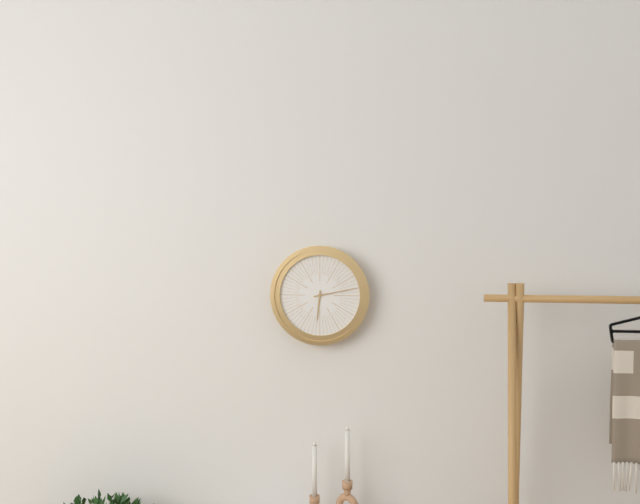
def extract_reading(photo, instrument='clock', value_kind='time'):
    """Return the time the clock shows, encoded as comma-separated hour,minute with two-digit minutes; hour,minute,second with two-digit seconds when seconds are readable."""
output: 6,13
